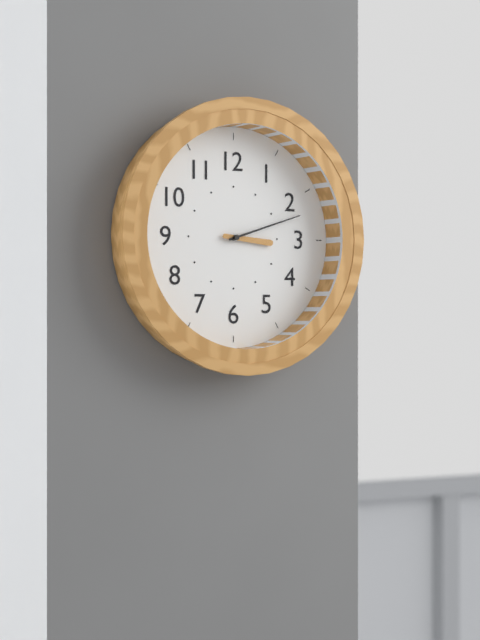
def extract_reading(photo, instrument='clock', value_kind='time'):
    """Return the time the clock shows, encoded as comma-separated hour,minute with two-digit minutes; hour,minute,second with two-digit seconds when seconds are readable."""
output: 3,12
